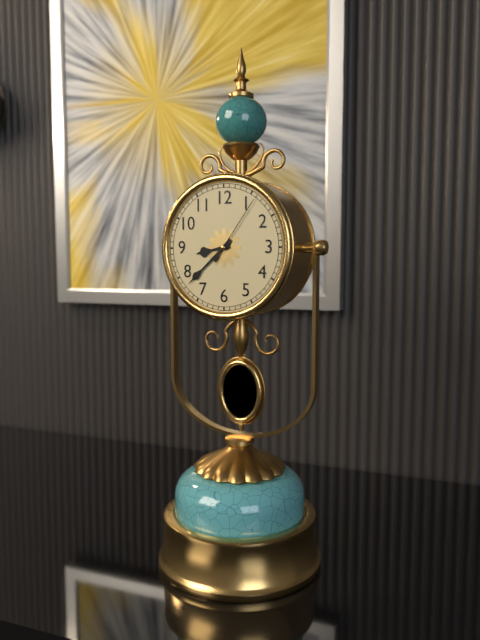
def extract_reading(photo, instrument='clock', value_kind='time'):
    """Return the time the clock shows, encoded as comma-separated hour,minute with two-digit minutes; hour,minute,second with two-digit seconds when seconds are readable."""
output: 8,38,06
